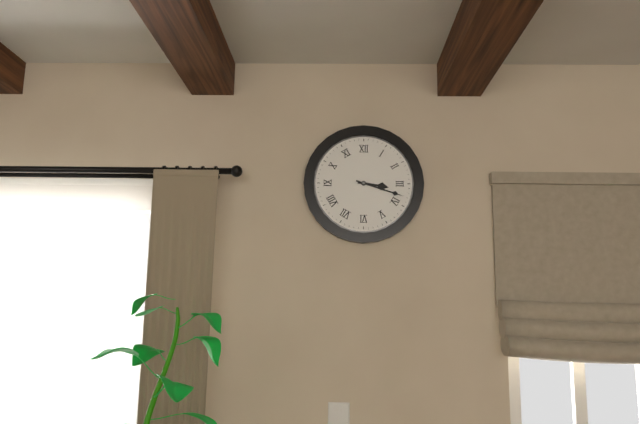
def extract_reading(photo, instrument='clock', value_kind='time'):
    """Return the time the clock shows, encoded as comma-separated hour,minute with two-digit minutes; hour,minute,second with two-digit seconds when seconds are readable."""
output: 3,18
